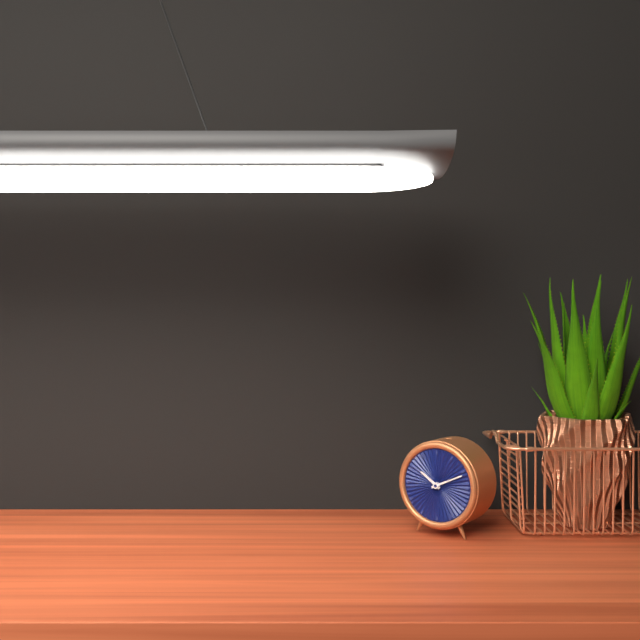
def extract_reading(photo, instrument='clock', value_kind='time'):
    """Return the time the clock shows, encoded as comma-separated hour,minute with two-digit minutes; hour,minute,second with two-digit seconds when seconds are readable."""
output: 10,11
